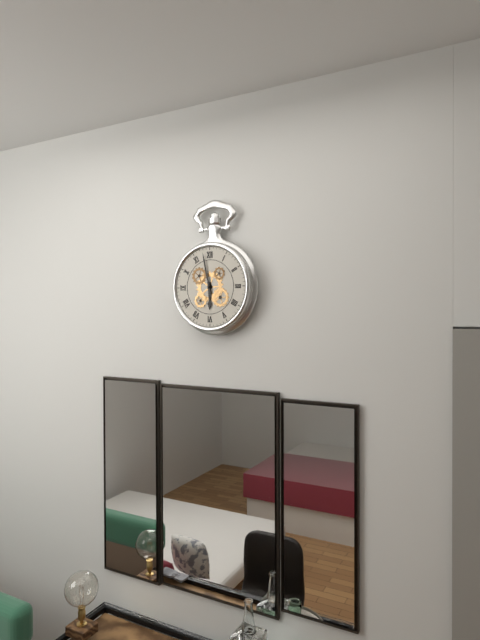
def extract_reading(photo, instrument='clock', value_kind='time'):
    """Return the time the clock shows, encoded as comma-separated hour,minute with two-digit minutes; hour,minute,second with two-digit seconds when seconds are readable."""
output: 5,58
